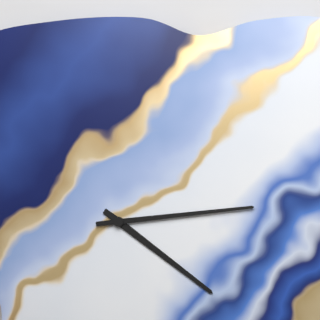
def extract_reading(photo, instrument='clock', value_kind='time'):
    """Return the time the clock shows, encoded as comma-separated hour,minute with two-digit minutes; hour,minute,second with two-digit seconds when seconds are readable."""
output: 4,14
